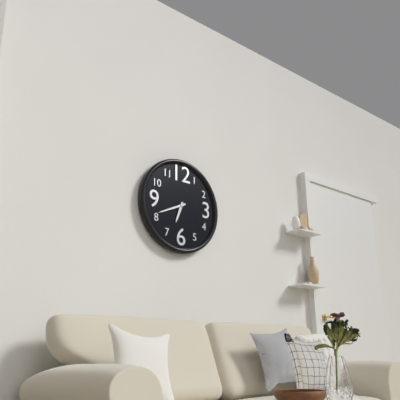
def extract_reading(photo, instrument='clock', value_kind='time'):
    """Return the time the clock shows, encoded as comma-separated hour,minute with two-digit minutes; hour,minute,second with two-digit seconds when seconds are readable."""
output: 6,41
